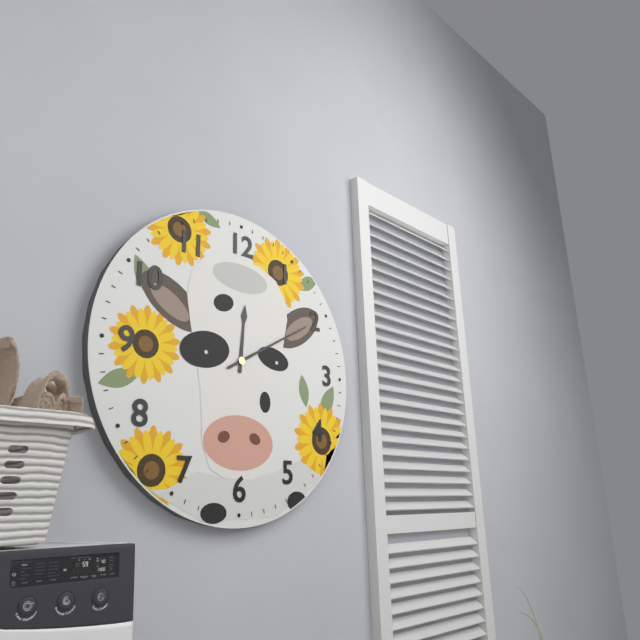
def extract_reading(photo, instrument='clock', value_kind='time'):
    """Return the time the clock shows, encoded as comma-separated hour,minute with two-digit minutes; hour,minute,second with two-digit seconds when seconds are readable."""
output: 12,10
